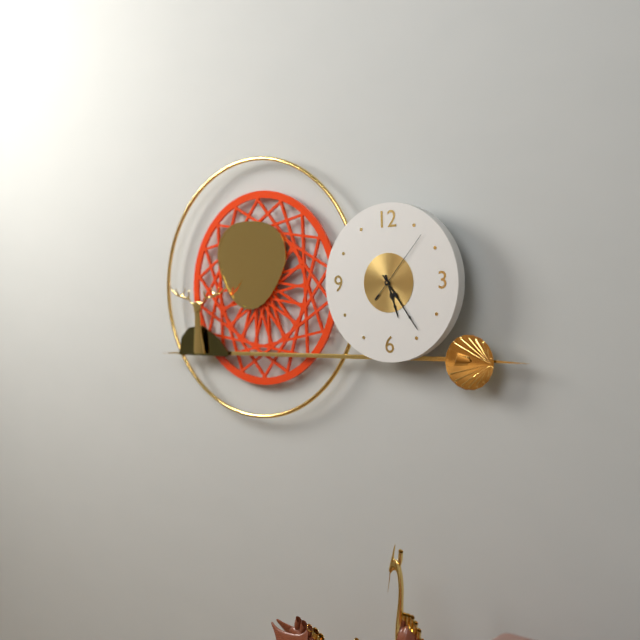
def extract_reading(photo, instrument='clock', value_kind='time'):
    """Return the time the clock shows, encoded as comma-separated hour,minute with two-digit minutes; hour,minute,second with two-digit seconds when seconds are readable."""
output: 5,24,07
